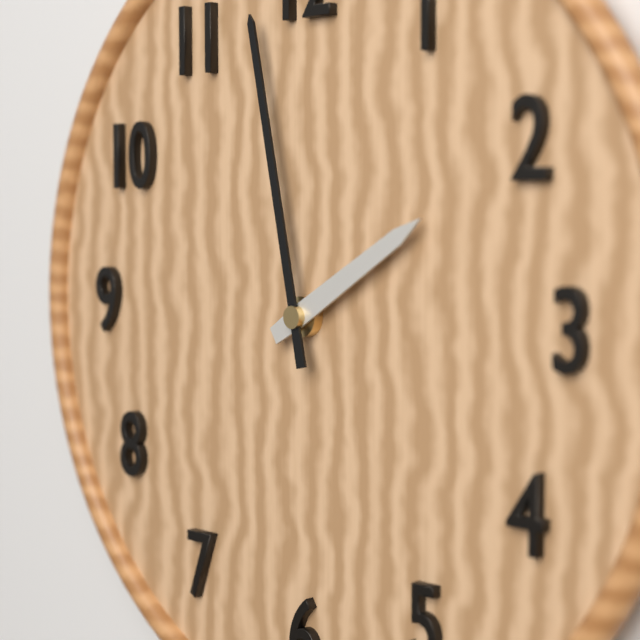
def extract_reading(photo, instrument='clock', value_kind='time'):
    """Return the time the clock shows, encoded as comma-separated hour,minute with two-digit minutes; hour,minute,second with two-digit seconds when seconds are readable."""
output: 1,58
